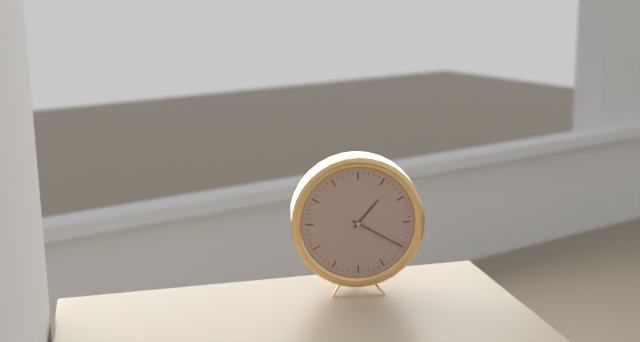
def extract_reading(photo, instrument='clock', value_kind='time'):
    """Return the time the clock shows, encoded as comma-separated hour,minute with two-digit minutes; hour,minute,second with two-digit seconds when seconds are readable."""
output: 1,20
